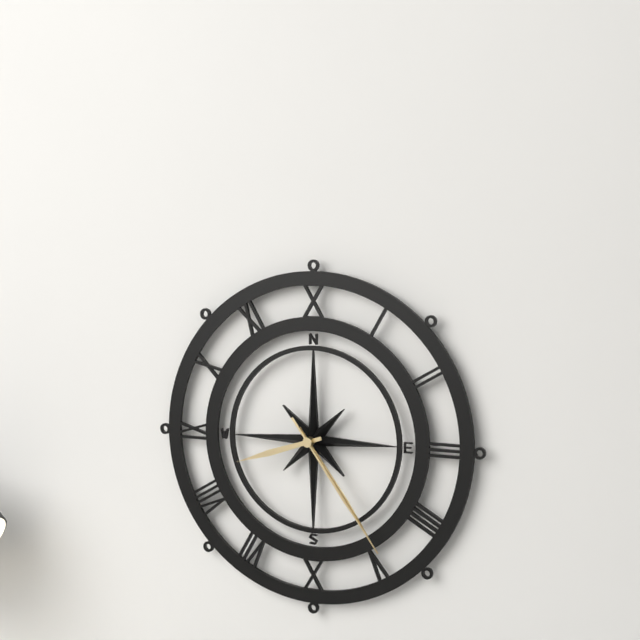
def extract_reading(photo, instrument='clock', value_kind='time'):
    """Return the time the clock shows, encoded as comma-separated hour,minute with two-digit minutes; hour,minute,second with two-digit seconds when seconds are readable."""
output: 8,24,24
